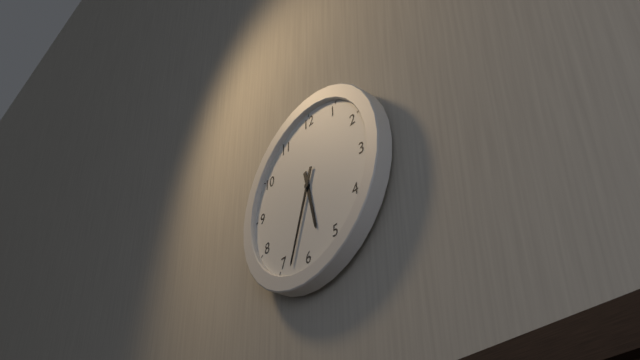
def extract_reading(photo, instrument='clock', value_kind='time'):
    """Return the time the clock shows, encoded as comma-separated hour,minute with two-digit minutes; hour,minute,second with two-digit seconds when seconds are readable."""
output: 5,33
